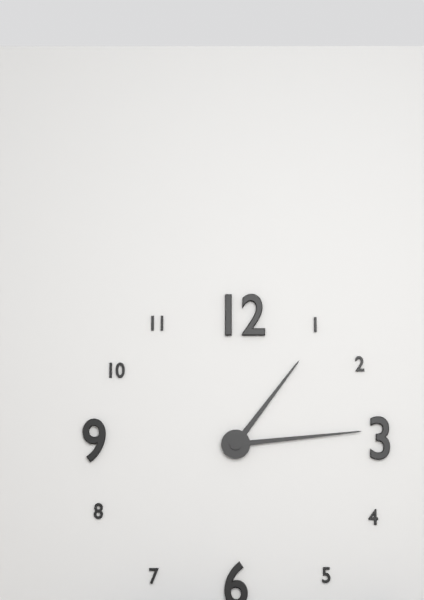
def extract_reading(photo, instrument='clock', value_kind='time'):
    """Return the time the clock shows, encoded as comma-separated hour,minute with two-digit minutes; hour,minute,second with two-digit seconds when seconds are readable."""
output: 1,14
